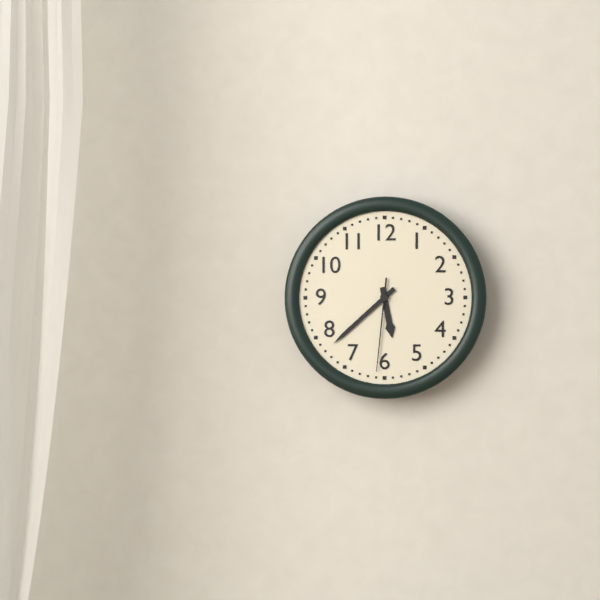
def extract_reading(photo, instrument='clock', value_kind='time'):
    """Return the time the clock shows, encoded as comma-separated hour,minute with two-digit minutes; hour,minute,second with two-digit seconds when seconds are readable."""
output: 5,38,31
